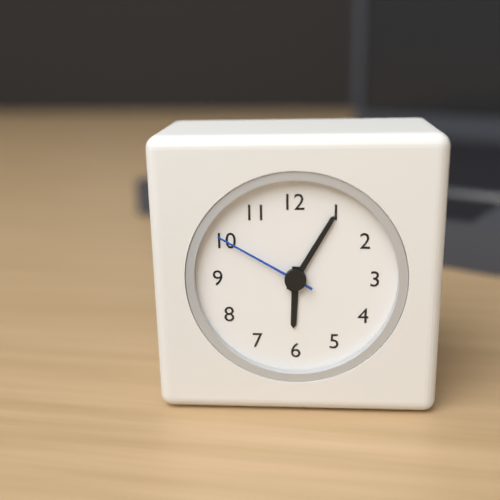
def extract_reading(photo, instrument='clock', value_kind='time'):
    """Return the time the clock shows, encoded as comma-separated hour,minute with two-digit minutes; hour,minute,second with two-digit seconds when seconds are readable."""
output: 6,05,50
